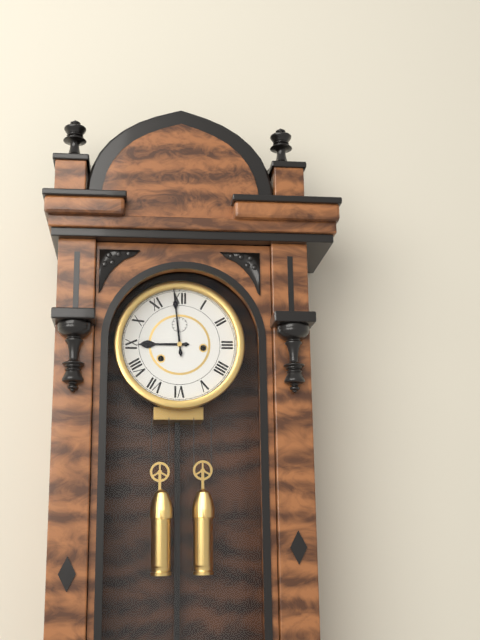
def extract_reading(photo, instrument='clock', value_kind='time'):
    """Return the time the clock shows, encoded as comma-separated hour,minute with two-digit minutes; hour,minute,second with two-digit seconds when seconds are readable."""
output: 8,59
